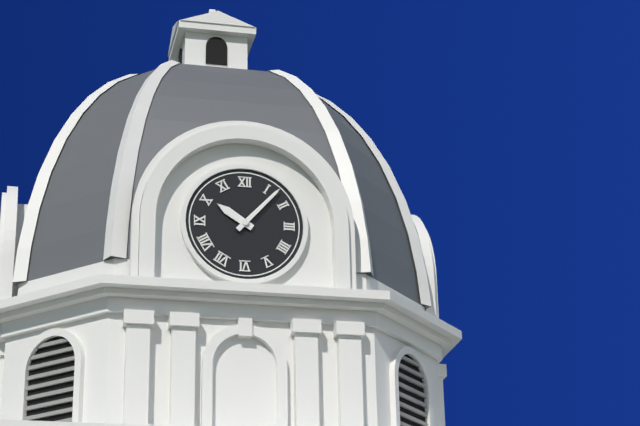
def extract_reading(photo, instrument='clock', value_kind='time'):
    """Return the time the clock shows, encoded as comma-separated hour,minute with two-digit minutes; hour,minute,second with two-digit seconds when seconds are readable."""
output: 10,07
